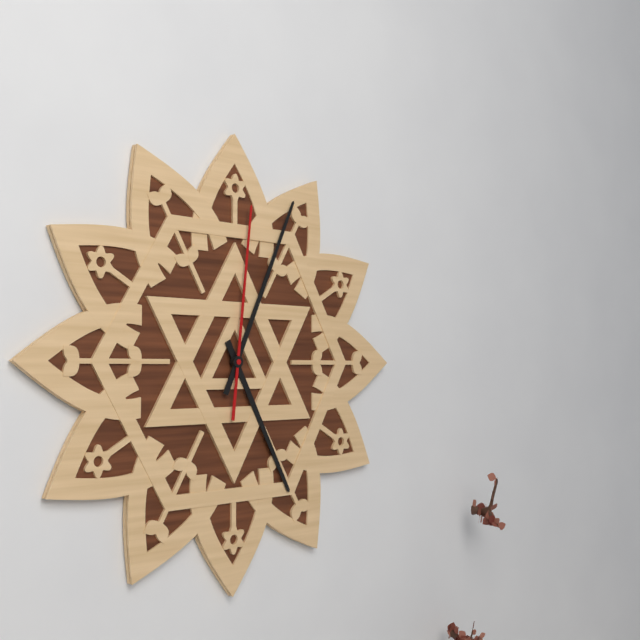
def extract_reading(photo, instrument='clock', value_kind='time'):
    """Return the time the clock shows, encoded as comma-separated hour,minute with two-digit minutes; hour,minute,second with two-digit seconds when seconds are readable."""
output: 5,04,01
